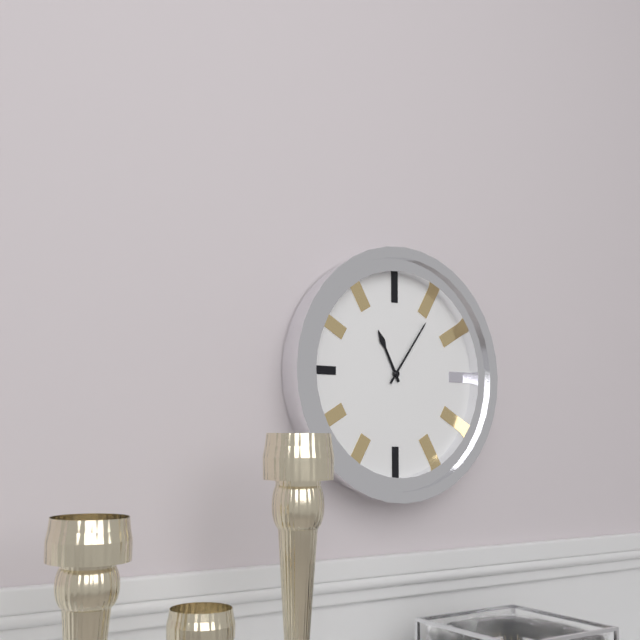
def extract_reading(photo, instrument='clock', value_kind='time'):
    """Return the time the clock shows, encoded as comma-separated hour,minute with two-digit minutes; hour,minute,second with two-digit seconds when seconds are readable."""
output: 11,06
